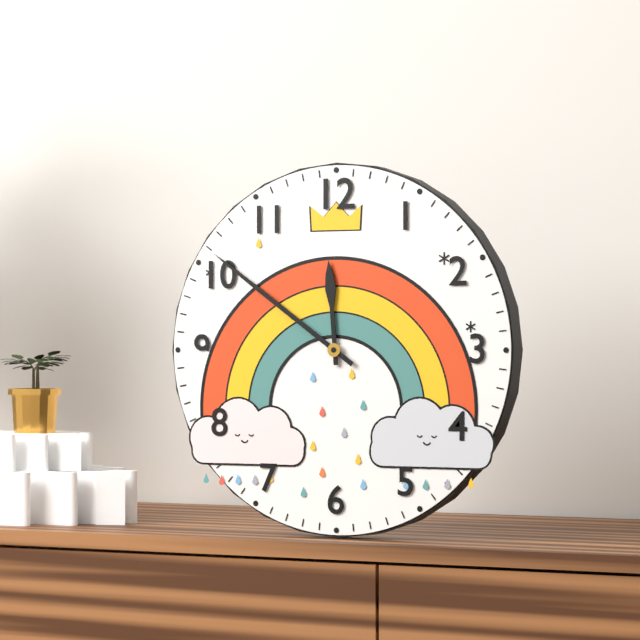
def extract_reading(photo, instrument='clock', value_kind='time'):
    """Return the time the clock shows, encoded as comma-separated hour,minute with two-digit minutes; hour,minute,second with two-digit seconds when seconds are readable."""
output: 11,51
